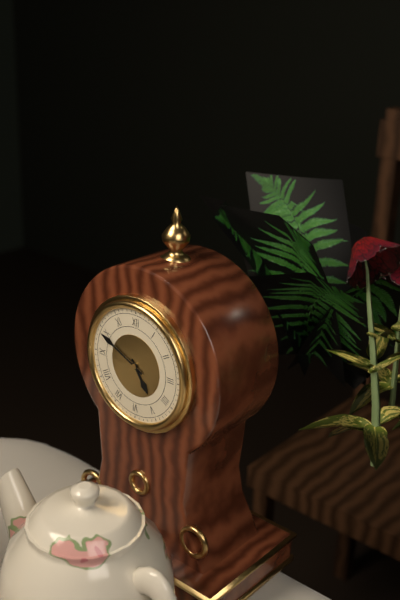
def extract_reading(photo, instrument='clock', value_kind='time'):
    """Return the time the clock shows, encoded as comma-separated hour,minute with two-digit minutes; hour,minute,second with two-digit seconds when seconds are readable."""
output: 4,49
